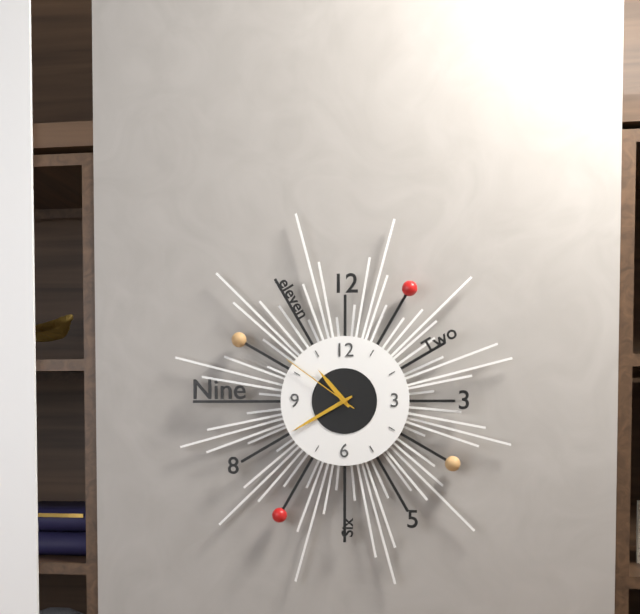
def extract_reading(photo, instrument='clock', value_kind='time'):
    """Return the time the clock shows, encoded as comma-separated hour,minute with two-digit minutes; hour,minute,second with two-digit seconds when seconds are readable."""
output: 10,40,51
